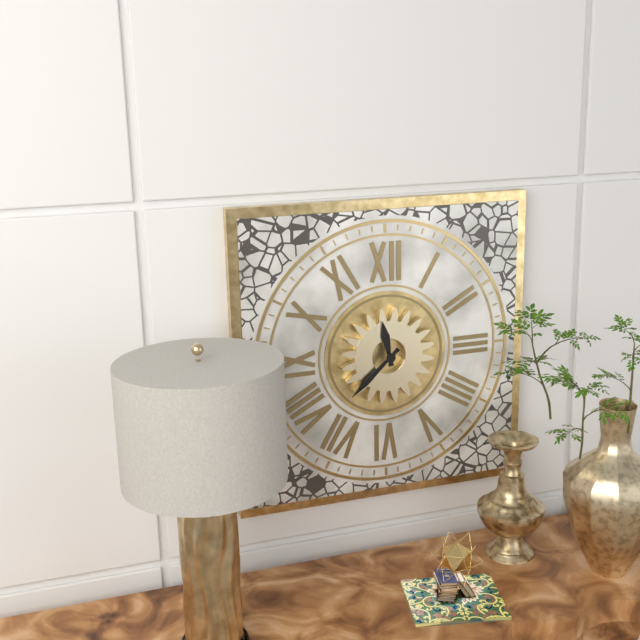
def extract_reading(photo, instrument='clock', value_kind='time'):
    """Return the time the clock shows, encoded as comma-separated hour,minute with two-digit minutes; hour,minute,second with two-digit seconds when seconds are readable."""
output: 11,38
